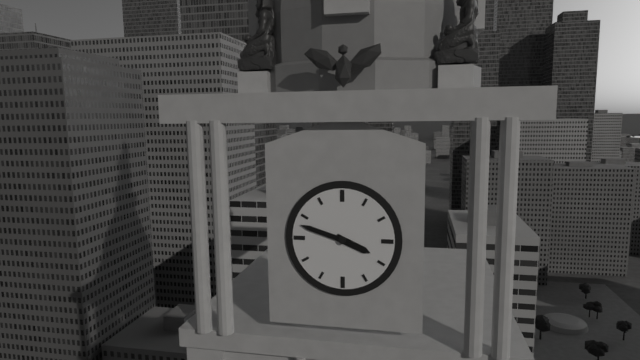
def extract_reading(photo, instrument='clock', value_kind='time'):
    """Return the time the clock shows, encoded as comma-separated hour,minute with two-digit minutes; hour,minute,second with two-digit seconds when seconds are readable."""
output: 3,48
